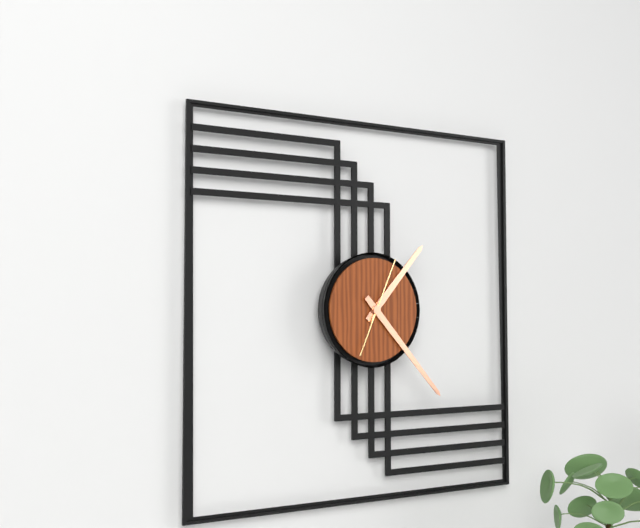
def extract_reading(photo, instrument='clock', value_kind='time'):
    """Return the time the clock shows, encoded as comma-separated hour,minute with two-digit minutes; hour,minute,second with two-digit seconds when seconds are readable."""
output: 1,23,04
